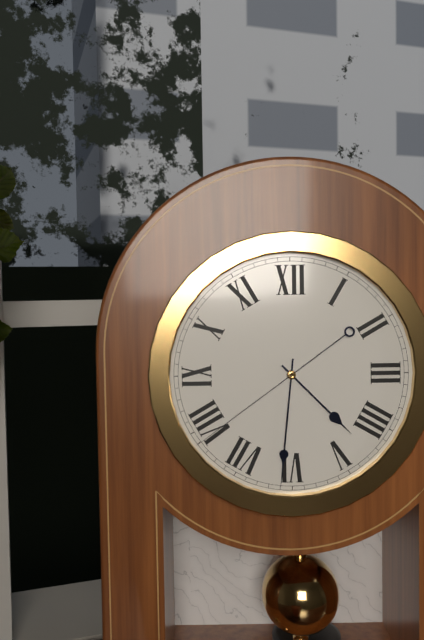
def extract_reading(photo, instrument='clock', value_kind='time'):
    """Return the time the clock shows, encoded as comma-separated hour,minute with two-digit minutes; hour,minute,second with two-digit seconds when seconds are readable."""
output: 4,31,39
